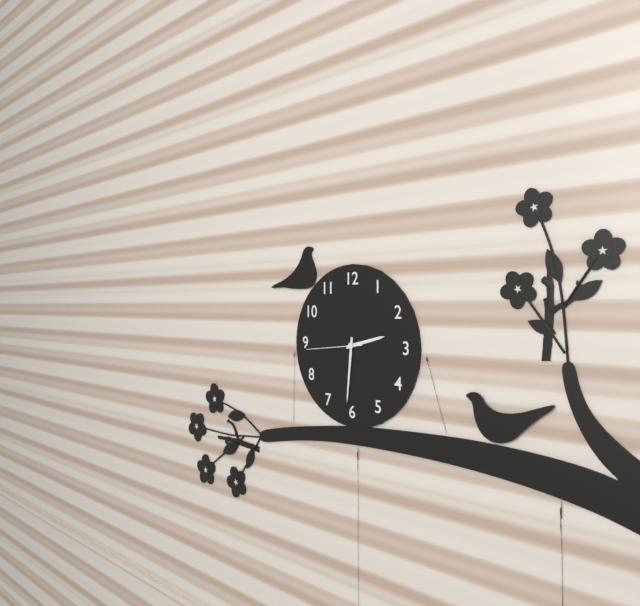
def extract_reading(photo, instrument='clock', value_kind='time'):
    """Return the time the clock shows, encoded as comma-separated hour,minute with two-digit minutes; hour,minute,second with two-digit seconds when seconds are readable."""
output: 2,31,44
